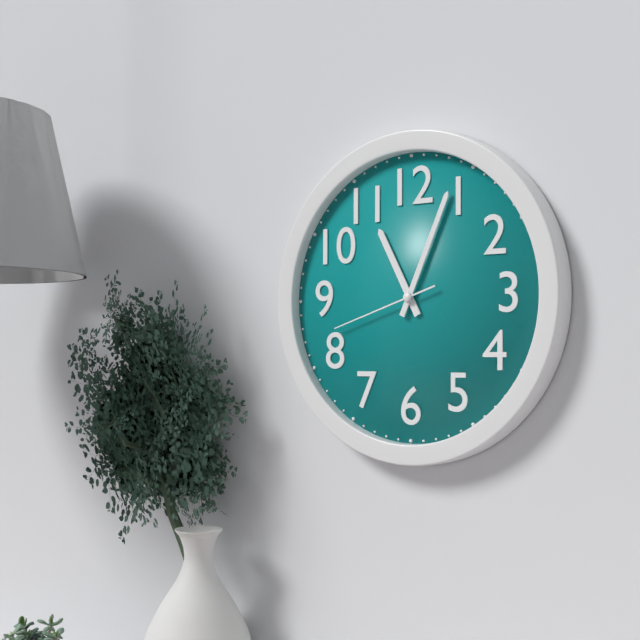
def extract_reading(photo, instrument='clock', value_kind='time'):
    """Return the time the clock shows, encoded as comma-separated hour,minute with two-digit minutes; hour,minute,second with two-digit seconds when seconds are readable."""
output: 11,04,42
